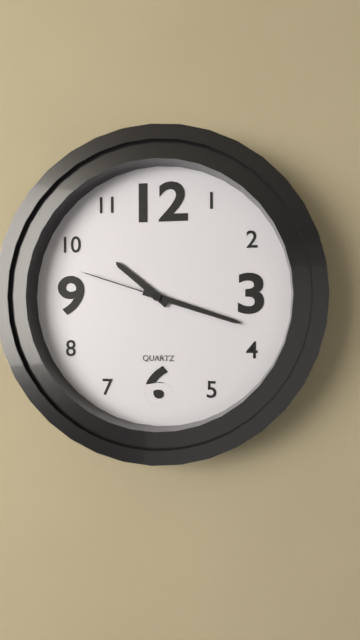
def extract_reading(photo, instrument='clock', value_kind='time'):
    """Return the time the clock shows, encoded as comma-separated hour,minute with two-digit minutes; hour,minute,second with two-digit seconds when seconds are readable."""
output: 10,18,48
